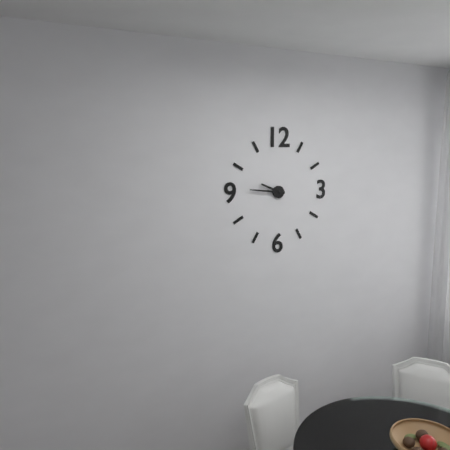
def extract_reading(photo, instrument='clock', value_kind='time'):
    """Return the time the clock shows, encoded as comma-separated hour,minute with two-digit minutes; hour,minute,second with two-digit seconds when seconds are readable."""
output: 9,46
